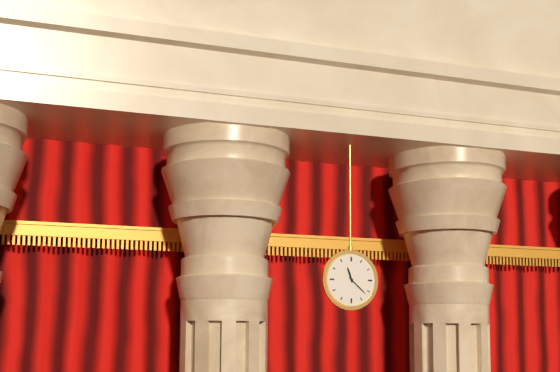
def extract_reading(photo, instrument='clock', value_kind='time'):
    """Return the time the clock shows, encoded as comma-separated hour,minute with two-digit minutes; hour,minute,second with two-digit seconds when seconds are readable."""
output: 11,22
